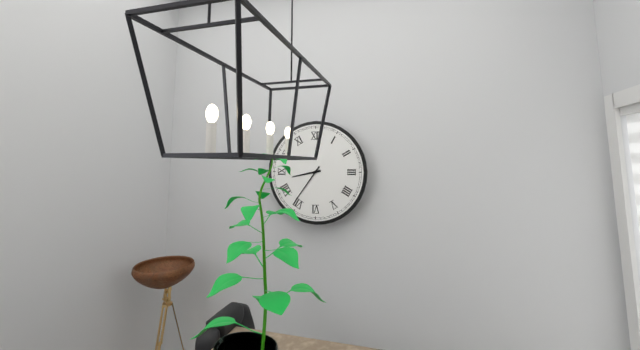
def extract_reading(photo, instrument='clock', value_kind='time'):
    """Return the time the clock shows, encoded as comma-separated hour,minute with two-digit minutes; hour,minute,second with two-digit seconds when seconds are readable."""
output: 8,36
